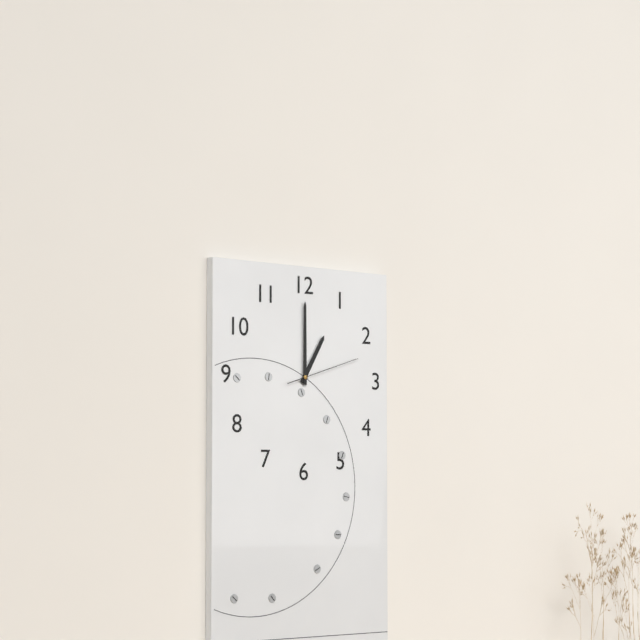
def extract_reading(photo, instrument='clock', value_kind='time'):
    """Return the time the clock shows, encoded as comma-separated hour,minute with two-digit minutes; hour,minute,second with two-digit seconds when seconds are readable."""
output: 1,00,12
